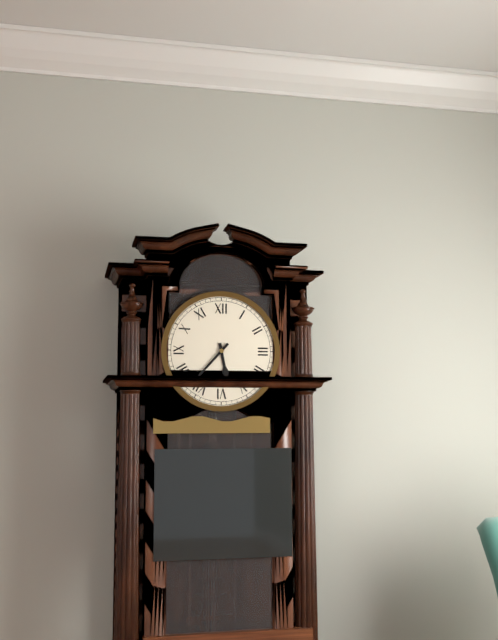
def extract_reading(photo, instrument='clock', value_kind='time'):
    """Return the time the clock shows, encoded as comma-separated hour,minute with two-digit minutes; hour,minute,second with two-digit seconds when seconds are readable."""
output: 5,37
